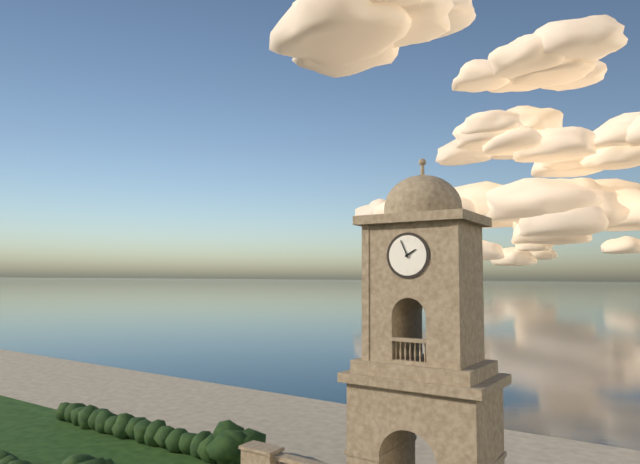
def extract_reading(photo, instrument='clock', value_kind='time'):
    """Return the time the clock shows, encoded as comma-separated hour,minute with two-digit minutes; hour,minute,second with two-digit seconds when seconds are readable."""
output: 1,56
